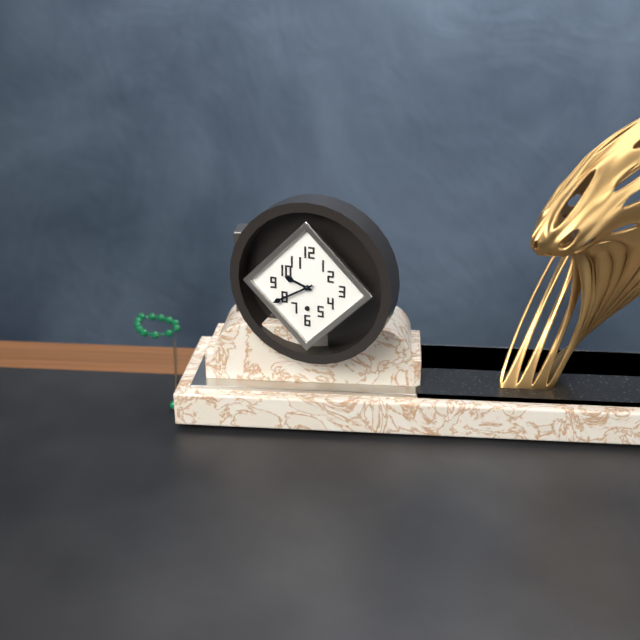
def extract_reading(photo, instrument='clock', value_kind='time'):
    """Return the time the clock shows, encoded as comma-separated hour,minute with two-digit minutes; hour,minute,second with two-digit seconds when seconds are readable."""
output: 9,40
